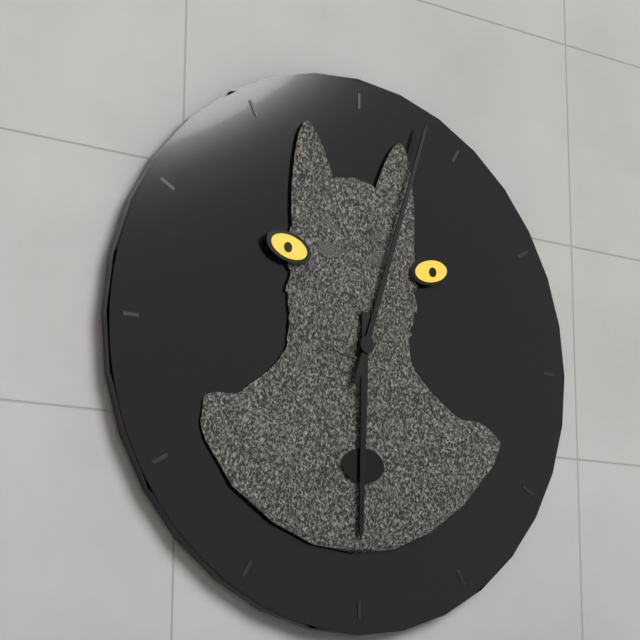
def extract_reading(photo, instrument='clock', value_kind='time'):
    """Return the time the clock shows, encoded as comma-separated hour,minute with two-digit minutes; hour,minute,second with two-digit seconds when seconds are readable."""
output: 6,03
